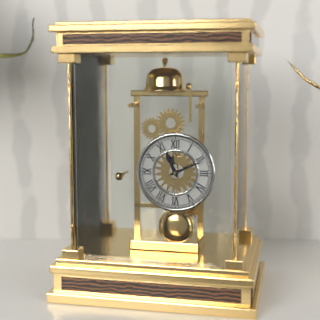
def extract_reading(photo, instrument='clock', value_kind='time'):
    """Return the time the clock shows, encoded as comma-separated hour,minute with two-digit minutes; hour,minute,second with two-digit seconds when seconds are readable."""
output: 11,11
